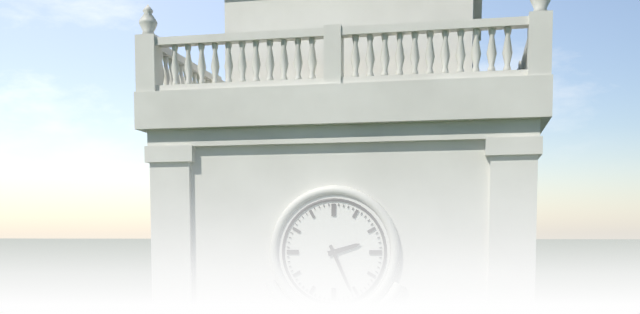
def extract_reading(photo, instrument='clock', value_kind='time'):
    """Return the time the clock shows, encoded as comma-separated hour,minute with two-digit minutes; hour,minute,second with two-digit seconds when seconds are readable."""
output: 2,26
